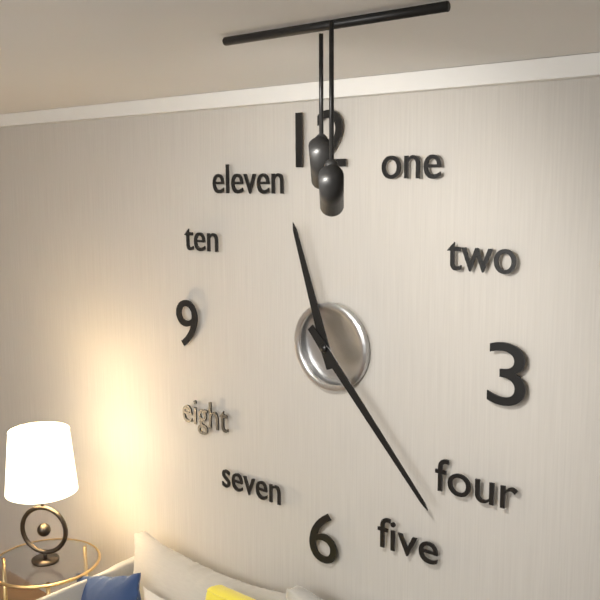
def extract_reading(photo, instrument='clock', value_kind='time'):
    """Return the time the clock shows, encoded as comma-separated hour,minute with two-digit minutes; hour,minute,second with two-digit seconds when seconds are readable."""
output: 11,23
